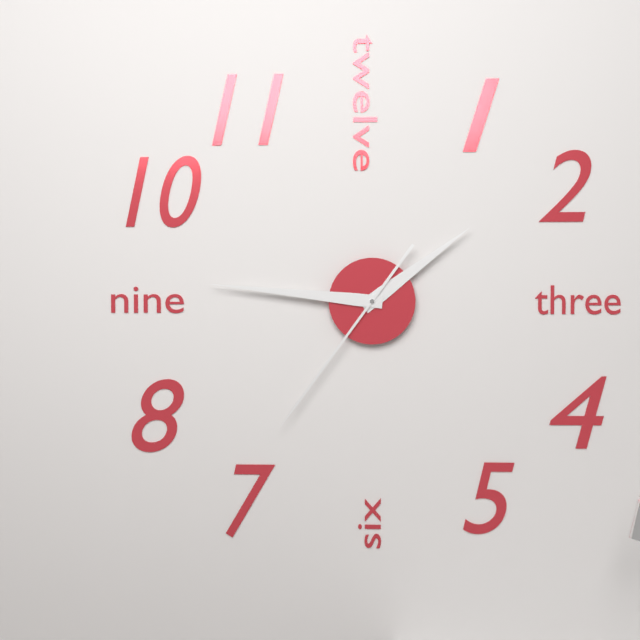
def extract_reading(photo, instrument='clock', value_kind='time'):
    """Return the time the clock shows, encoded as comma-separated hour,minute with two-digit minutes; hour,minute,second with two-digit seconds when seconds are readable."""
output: 1,46,36
